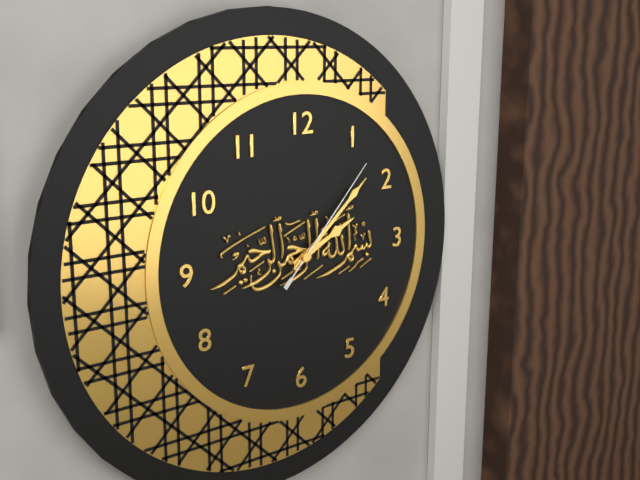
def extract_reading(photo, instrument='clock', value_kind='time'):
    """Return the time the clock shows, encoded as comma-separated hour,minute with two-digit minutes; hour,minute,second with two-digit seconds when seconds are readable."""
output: 2,08,07
